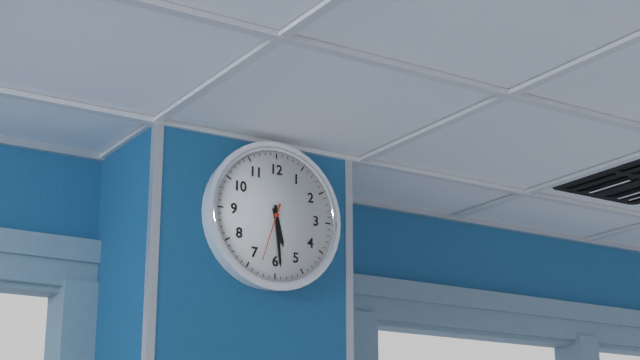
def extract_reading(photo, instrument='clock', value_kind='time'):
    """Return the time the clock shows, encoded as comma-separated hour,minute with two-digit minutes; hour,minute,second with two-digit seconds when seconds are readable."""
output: 5,29,33
